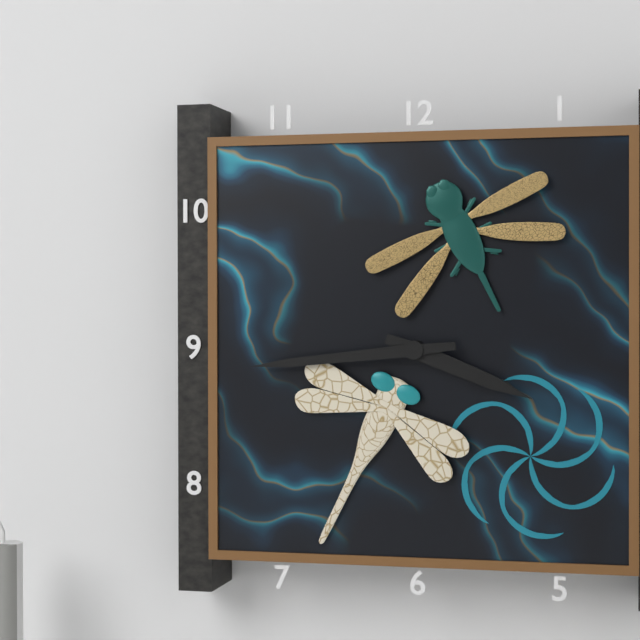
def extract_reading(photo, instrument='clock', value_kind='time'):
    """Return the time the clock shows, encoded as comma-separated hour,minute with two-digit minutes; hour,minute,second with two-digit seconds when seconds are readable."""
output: 3,44
